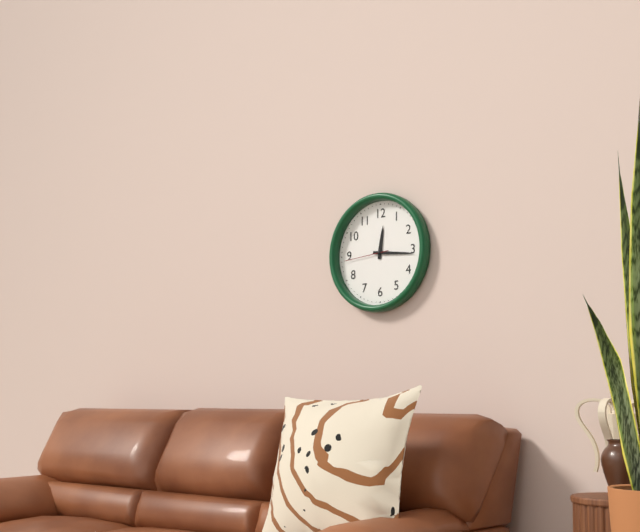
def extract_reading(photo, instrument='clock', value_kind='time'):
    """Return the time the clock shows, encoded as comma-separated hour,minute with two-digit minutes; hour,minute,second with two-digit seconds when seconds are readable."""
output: 12,16
